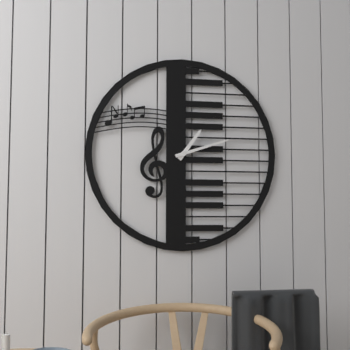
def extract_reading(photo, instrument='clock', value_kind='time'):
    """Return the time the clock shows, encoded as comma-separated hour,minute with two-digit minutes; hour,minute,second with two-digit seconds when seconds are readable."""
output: 1,12
